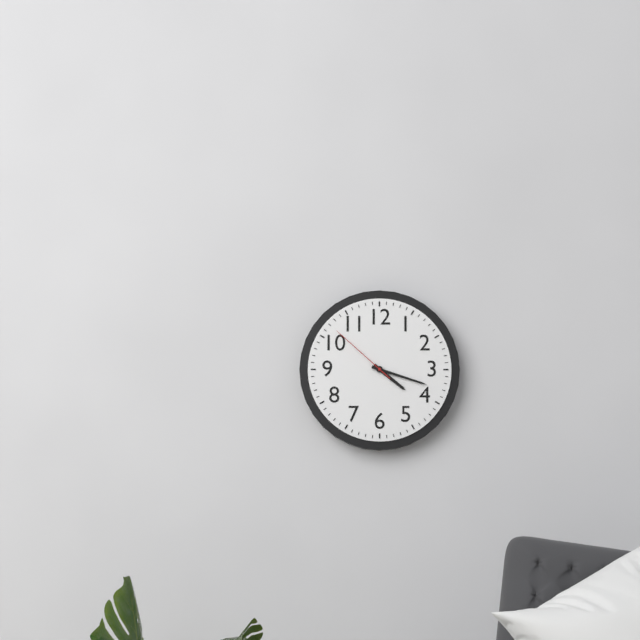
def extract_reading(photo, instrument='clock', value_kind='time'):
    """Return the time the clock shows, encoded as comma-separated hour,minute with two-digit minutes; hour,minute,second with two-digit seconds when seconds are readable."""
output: 4,18,52
